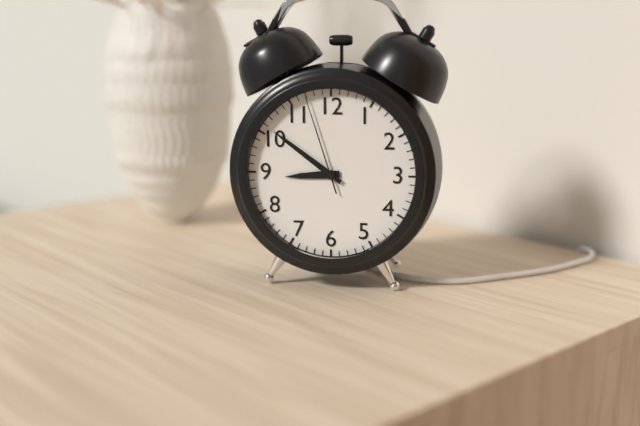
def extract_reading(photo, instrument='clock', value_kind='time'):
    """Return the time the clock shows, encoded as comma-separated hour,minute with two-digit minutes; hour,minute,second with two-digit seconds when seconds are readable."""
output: 8,51,57
